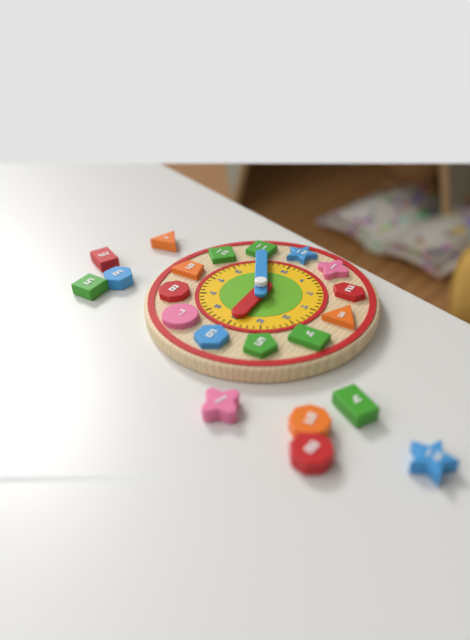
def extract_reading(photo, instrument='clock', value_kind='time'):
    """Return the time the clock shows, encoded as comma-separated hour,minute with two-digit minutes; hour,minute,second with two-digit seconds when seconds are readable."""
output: 5,55
